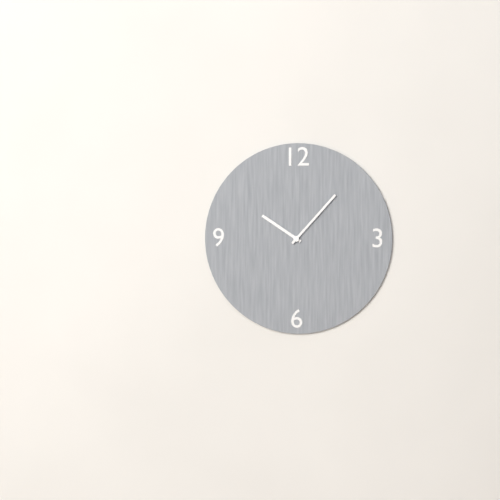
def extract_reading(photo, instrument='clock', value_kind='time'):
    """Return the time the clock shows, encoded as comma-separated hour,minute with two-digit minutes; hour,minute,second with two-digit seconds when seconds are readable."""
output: 10,07
